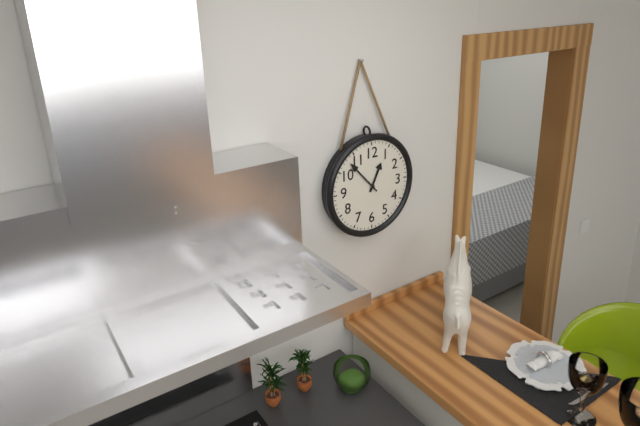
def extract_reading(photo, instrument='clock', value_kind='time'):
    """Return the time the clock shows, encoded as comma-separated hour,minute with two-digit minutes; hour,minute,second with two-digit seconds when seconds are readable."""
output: 12,53
